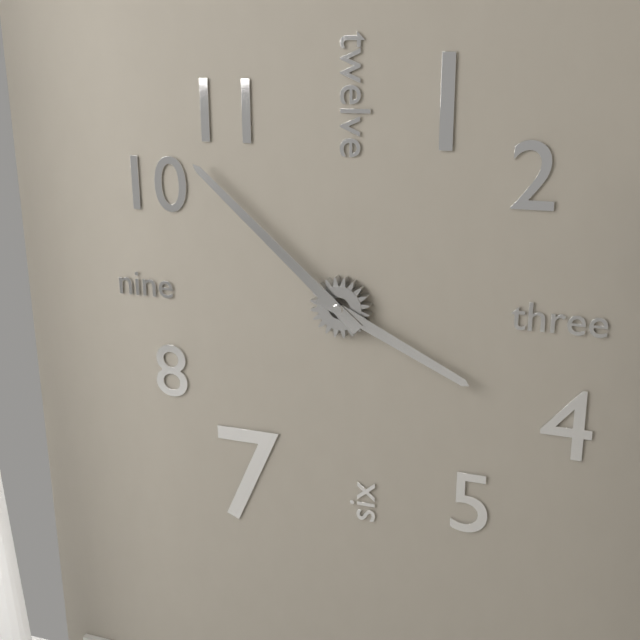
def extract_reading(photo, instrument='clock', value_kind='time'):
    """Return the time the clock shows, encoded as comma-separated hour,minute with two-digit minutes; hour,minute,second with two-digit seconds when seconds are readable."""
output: 3,52
